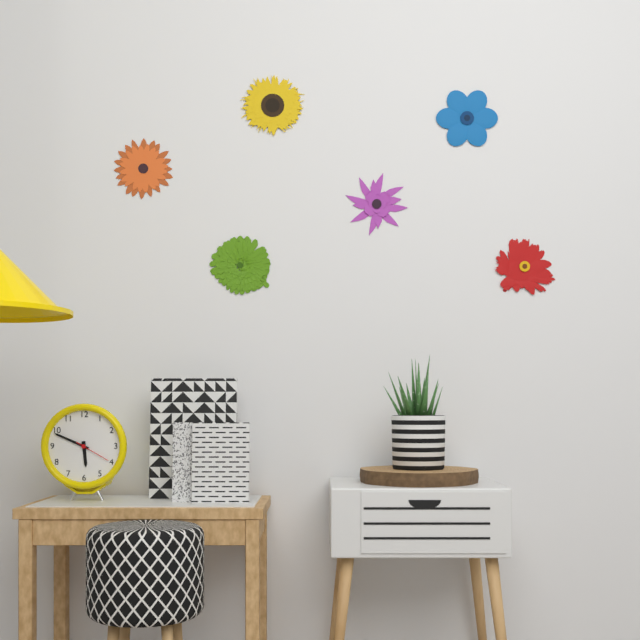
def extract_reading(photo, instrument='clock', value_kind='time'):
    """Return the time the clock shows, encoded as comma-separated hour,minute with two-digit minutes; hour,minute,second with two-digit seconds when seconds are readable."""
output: 5,49
